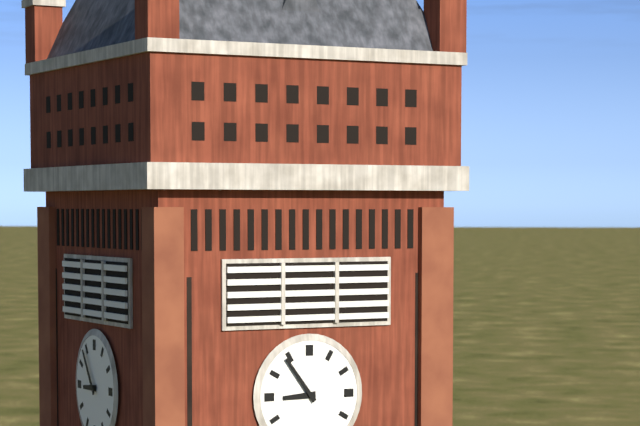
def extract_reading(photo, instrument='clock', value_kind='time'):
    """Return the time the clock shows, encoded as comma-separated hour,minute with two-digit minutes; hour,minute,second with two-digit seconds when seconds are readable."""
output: 8,54
